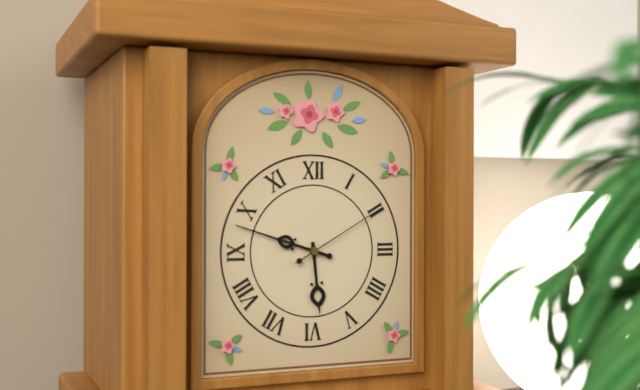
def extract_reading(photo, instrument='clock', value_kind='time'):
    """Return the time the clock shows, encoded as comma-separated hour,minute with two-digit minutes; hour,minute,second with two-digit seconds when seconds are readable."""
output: 5,48,10
